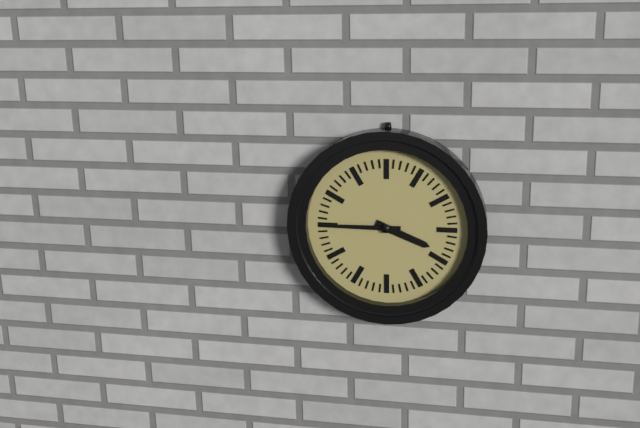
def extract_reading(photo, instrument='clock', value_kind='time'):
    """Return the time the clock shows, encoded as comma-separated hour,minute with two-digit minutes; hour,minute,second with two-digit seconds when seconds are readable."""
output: 3,45
